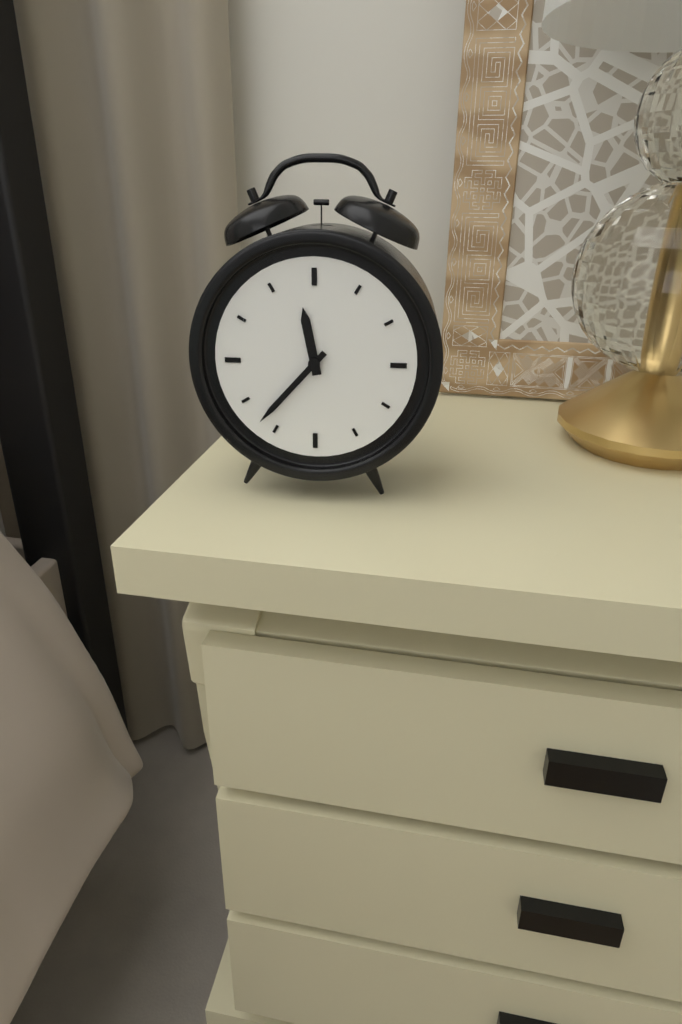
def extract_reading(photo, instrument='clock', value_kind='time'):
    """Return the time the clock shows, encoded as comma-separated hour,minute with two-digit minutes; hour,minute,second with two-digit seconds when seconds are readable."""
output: 11,37
